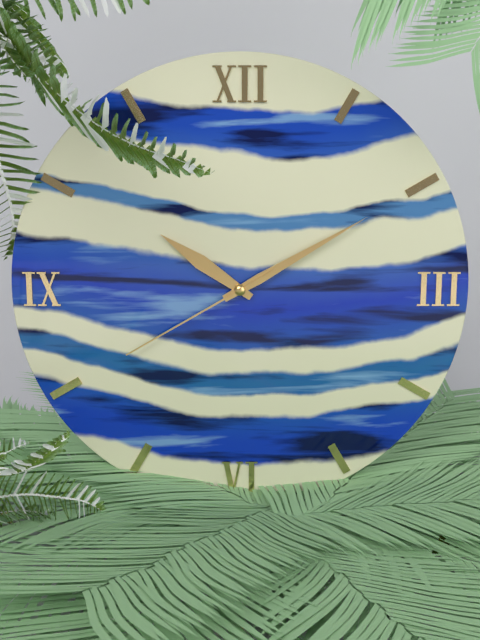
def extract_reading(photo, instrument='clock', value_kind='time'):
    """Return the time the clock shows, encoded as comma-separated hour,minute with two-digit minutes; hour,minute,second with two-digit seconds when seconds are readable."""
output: 10,10,40
